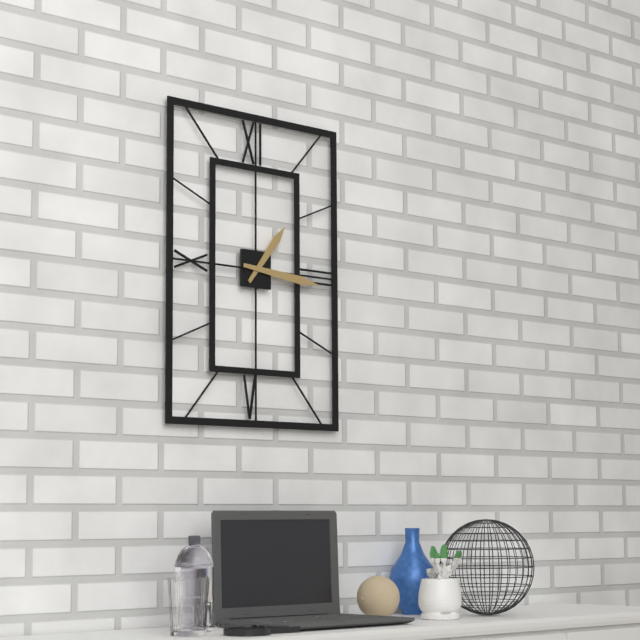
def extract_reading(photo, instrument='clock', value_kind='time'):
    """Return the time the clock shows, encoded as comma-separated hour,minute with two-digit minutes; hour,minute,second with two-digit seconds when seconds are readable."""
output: 1,16
